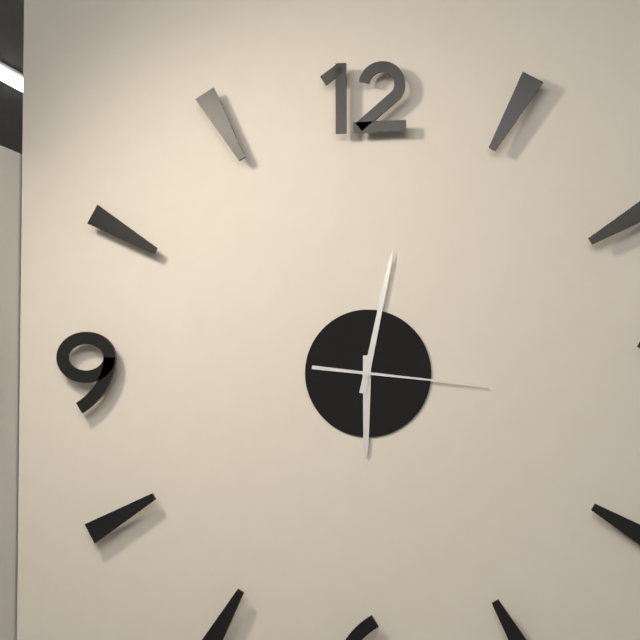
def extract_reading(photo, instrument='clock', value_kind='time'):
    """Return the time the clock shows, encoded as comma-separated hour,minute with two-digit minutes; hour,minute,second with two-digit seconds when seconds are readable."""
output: 6,02,16
